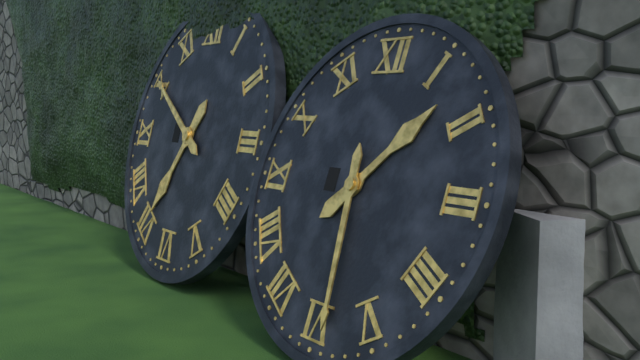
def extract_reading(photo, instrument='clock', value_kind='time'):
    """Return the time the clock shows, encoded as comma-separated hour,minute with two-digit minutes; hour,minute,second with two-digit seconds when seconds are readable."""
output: 1,29
